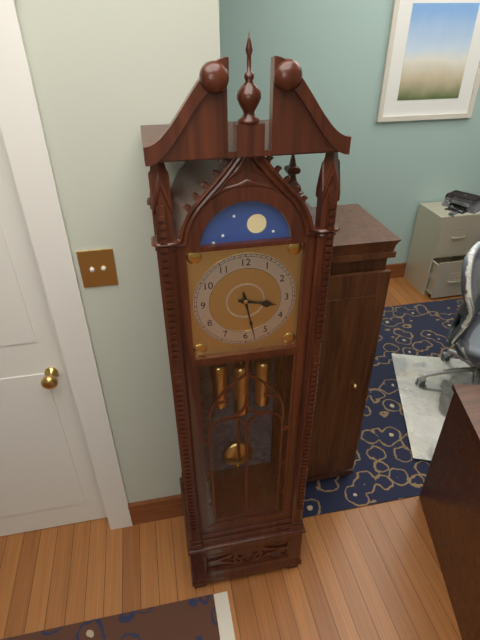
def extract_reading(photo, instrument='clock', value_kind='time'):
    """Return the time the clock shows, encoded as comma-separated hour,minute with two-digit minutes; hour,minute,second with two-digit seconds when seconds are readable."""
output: 3,28
